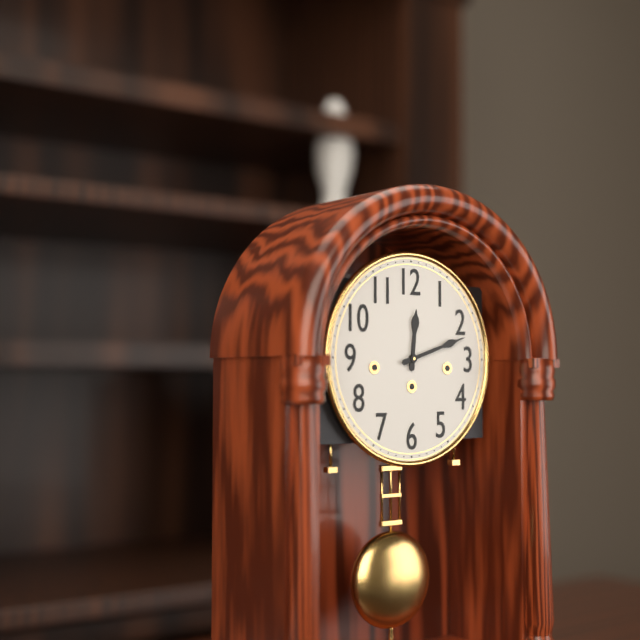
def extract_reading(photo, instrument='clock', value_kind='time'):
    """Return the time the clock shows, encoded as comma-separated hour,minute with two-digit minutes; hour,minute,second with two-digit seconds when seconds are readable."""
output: 12,12
